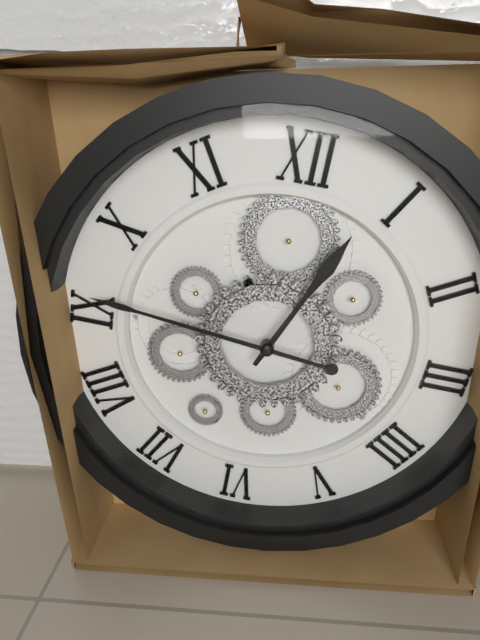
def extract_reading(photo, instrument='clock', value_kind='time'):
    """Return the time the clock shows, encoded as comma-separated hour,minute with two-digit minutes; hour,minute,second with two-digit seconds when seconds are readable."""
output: 12,46
